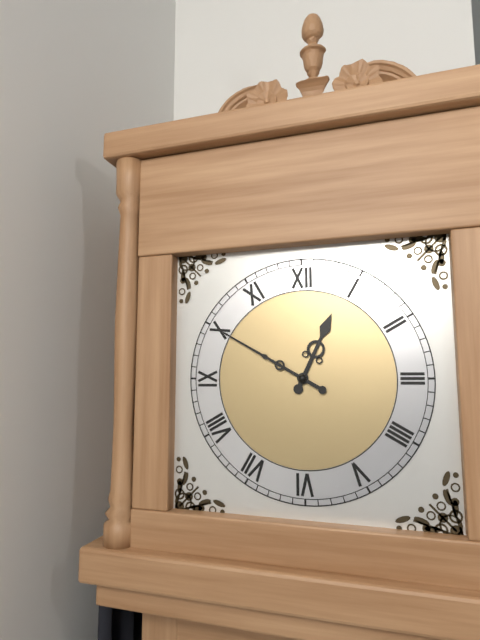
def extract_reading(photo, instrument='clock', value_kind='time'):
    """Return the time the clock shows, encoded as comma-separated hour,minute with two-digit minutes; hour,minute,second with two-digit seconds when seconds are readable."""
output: 12,50
